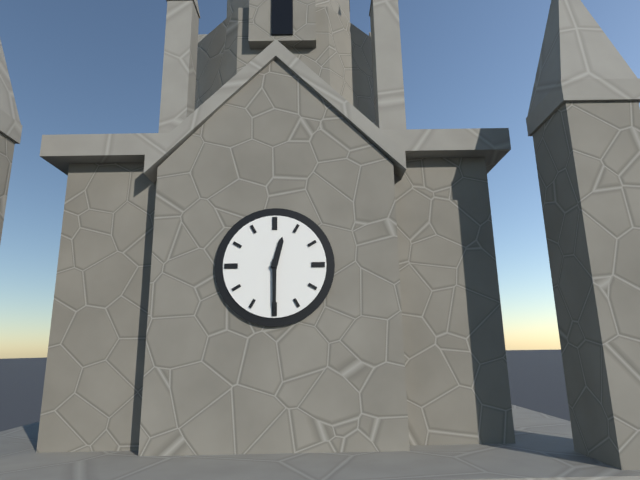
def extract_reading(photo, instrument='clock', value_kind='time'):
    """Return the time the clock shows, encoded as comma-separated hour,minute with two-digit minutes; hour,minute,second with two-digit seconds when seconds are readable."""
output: 12,30
